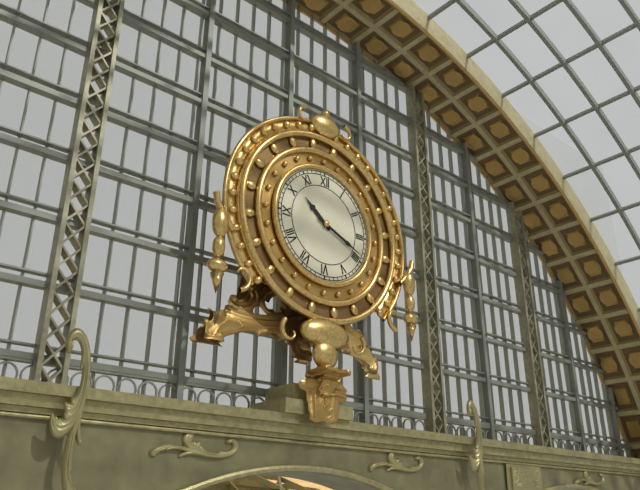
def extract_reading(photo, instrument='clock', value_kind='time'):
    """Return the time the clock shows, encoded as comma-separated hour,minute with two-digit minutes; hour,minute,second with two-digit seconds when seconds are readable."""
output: 10,19
